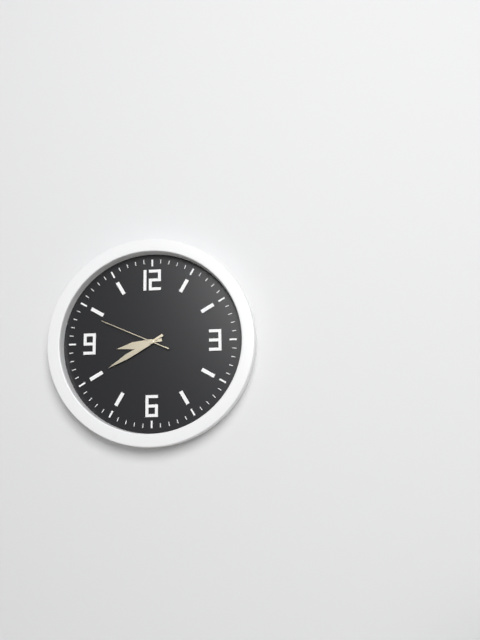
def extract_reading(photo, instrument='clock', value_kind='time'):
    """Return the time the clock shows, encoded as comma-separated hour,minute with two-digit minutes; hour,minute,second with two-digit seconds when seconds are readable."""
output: 8,40,49
